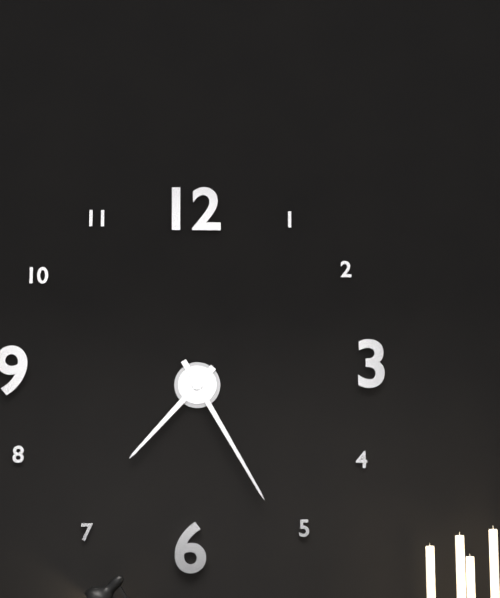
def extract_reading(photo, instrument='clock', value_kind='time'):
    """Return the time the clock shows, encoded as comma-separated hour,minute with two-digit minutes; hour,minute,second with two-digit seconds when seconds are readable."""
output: 7,25
